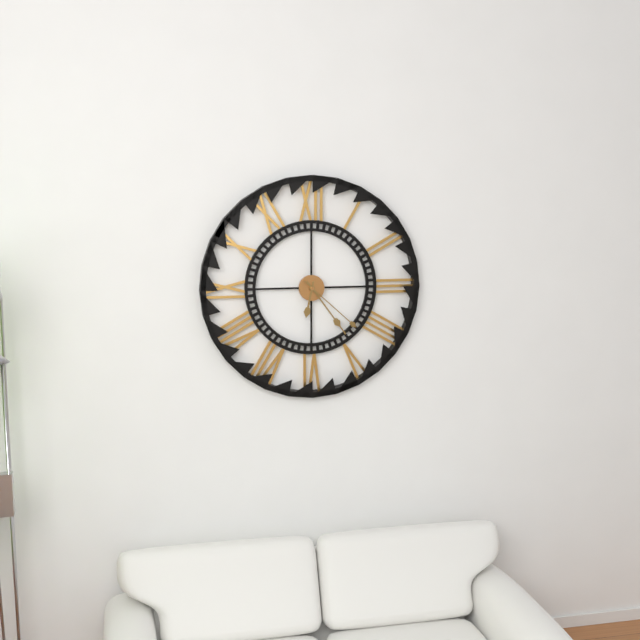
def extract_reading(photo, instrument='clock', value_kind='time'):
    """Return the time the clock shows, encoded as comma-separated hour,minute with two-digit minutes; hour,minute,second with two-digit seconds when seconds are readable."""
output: 6,24,22
